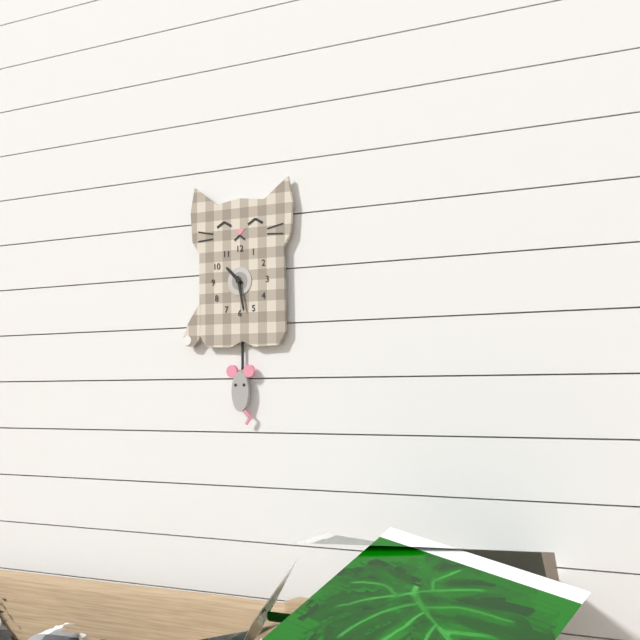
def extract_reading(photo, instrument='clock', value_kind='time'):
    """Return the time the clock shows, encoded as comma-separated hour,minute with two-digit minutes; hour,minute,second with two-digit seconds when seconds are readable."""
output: 10,28
